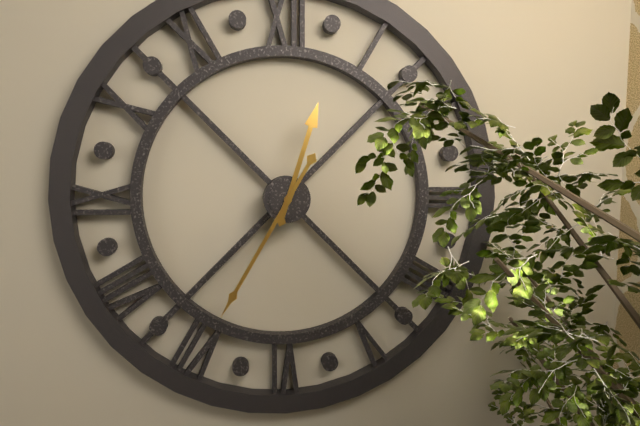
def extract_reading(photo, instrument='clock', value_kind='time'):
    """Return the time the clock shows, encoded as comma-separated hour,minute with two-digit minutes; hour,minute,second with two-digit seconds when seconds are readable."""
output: 12,35
